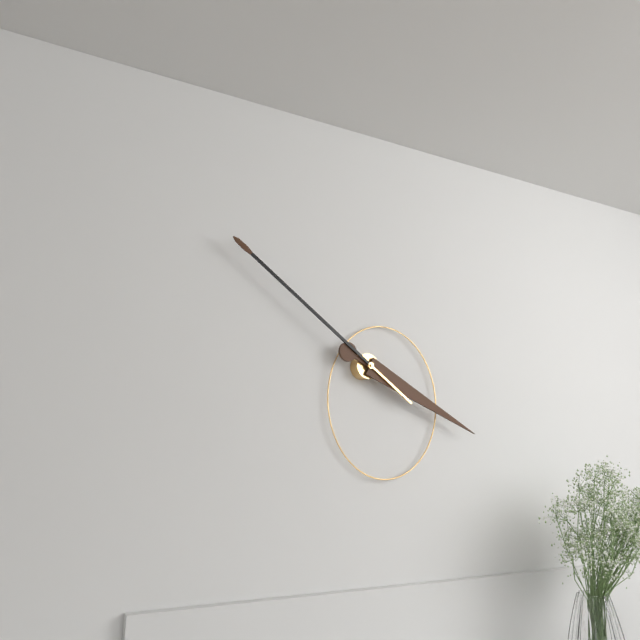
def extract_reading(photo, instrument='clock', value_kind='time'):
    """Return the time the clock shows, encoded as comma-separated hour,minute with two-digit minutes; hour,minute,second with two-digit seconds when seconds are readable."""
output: 3,51
